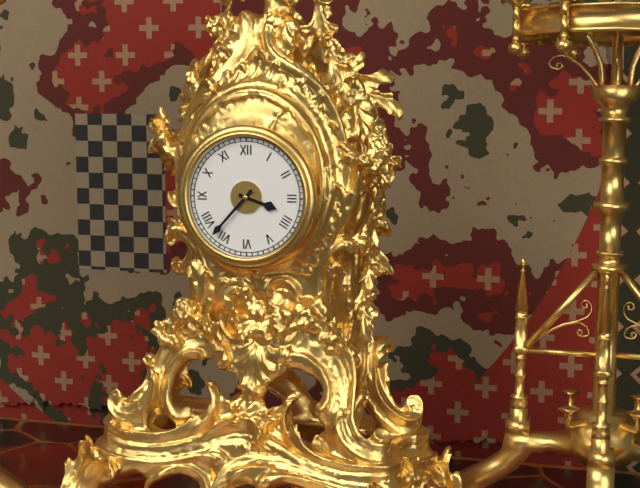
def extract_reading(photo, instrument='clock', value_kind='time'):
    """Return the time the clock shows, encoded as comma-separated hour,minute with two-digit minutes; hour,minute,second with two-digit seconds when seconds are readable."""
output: 3,37
